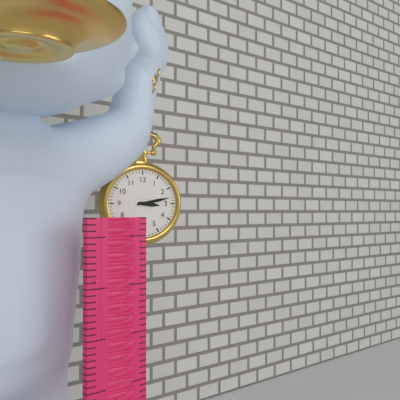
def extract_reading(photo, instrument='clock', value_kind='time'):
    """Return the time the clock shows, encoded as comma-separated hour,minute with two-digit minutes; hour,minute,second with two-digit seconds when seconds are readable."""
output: 3,13
